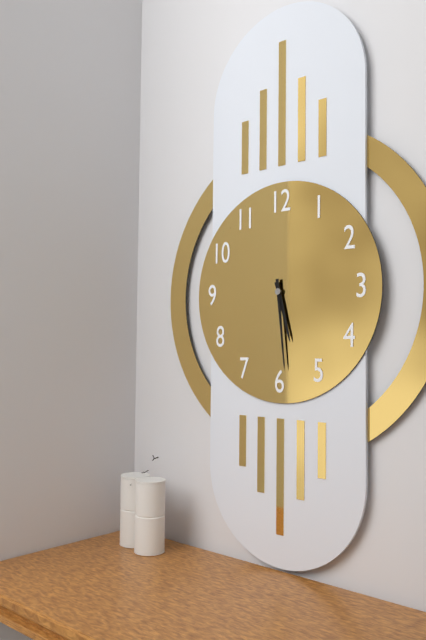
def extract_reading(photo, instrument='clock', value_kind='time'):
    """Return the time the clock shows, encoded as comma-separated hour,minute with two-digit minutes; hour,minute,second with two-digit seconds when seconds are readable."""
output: 5,29
